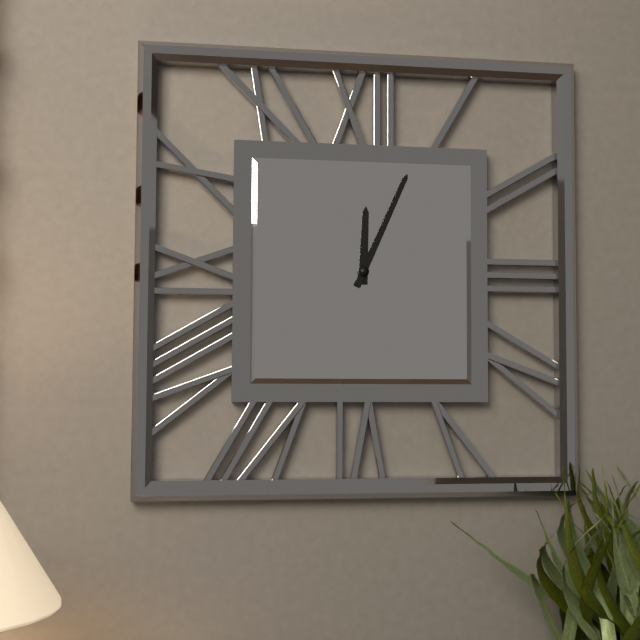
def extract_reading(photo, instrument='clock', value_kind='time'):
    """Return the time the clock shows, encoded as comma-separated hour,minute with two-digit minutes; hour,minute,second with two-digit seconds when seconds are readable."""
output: 12,04
